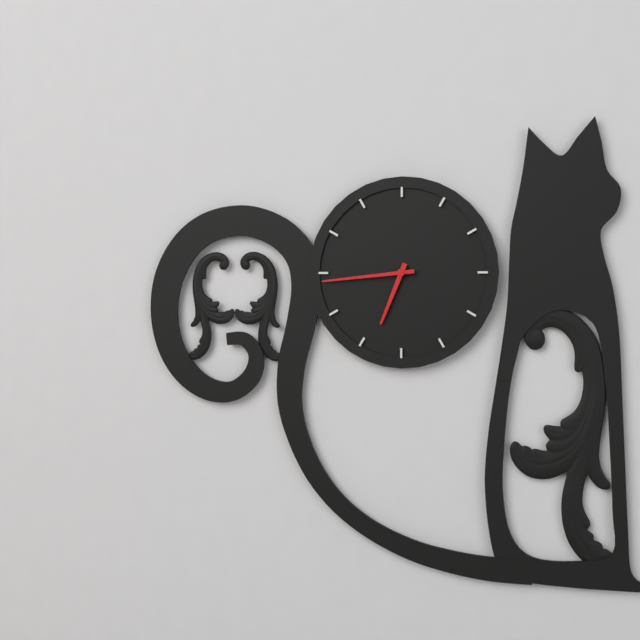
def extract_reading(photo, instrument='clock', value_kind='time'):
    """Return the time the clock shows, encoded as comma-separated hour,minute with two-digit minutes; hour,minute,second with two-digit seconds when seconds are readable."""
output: 6,44
